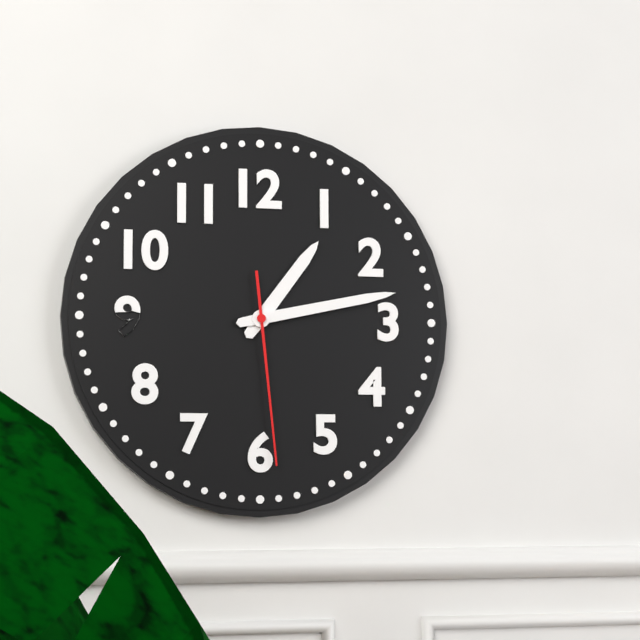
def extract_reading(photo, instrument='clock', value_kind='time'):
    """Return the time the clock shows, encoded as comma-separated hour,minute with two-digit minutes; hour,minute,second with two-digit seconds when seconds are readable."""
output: 1,13,29
